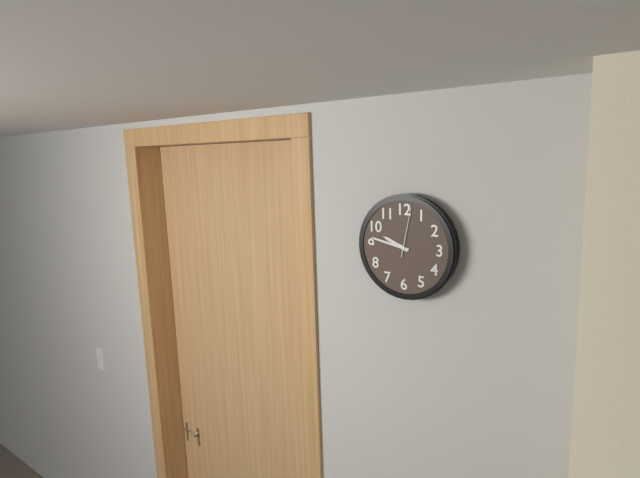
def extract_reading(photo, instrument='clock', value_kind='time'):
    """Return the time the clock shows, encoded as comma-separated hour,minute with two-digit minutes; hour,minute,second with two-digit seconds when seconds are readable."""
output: 9,47,02
